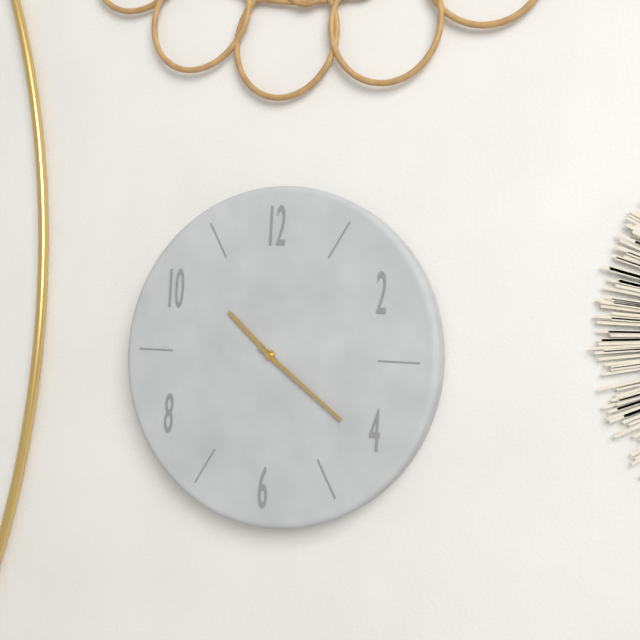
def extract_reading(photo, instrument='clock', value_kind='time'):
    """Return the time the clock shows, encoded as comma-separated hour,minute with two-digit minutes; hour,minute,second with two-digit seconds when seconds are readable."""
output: 10,21
